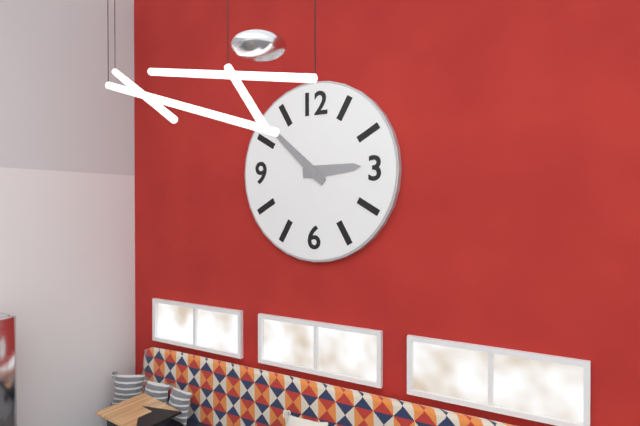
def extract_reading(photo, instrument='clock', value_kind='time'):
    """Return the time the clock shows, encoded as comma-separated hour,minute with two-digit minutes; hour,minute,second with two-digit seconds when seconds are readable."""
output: 2,52
